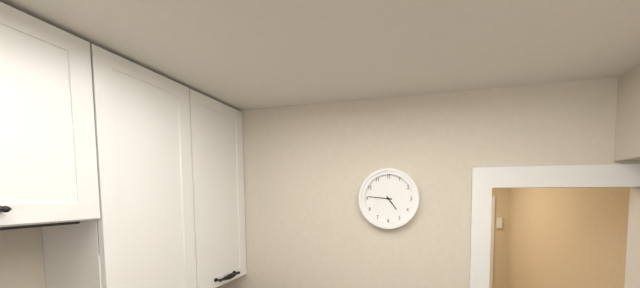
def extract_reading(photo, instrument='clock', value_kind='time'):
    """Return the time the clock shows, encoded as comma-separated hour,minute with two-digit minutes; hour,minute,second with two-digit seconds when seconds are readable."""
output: 4,46
